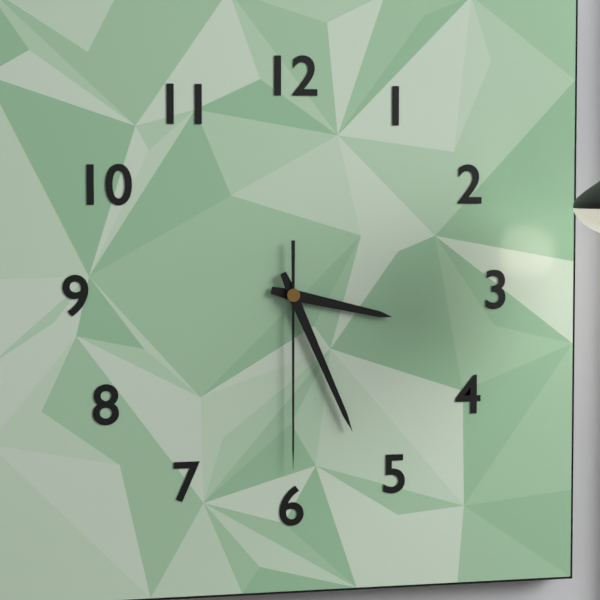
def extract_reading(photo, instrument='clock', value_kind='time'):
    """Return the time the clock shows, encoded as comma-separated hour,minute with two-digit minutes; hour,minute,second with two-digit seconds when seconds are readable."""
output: 3,26,30
